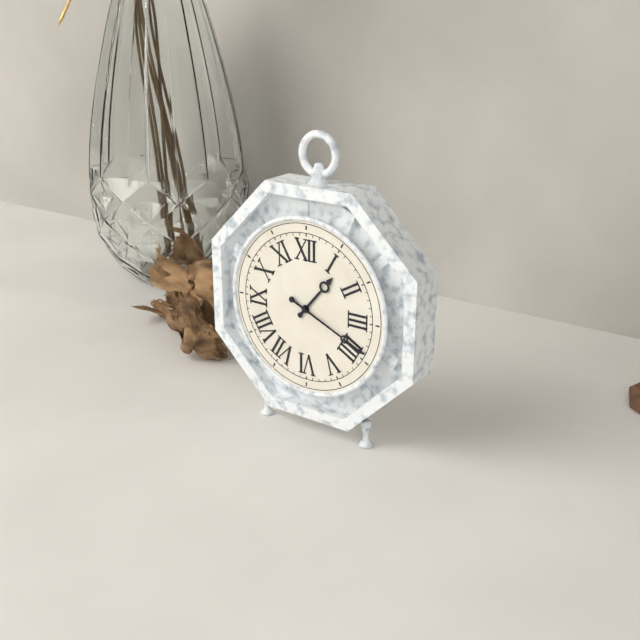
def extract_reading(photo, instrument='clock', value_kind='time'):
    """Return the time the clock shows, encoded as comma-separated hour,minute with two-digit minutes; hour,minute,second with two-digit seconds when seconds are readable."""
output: 1,19
